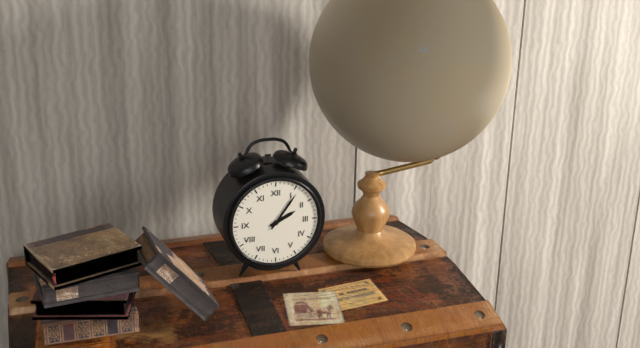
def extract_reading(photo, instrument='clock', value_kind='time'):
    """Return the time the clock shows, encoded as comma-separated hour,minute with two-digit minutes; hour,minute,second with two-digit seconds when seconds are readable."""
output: 2,06
